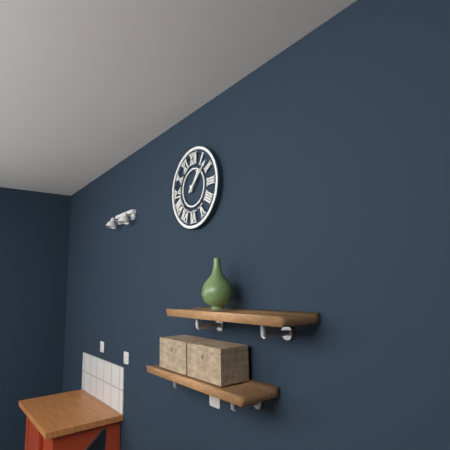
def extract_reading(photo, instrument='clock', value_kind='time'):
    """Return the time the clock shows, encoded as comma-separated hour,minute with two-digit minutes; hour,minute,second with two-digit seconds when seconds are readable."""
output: 1,08
